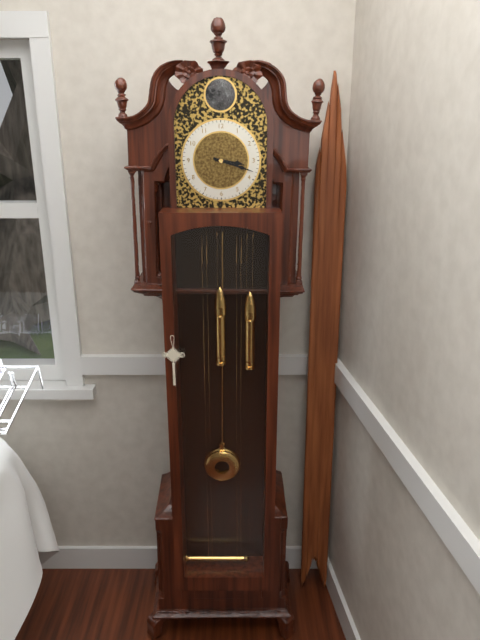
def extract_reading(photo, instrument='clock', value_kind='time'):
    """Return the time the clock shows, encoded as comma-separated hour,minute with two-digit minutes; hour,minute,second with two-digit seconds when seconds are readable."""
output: 3,18
